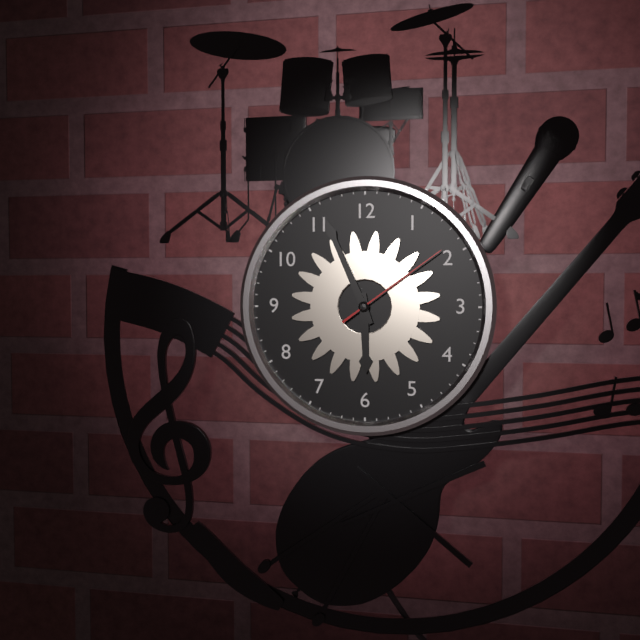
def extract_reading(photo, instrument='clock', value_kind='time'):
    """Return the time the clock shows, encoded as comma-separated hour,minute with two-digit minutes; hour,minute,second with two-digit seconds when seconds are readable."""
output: 5,56,09
